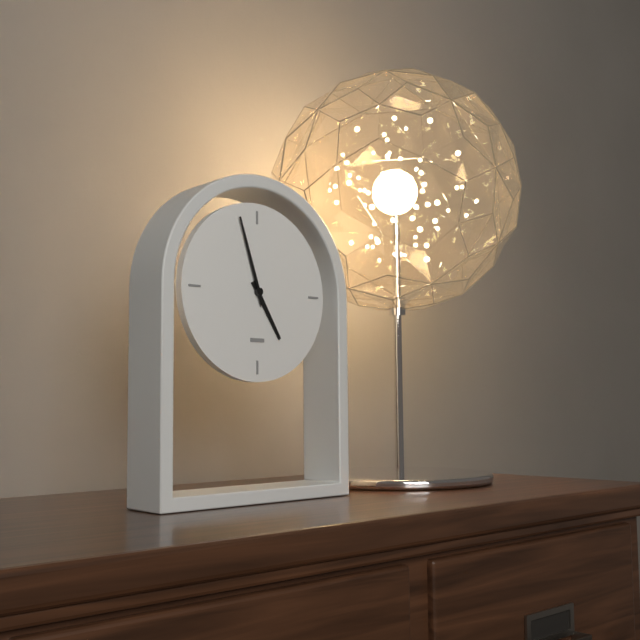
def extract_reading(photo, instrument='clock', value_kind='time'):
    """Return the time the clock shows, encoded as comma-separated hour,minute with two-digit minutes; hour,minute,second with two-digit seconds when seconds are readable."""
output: 4,57
